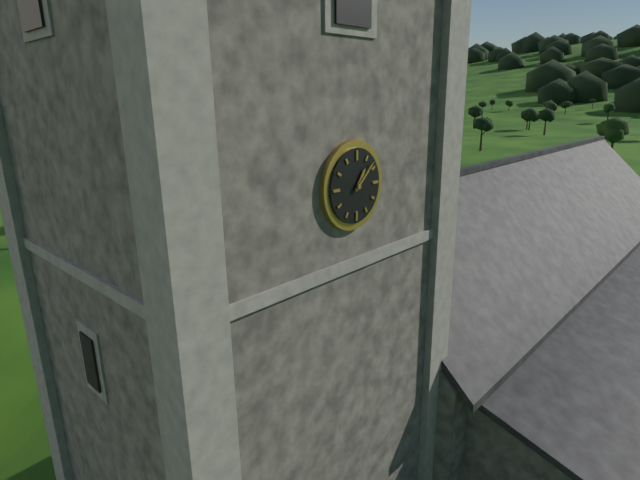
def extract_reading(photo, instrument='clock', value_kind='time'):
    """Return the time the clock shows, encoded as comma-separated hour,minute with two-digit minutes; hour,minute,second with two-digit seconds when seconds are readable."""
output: 1,08
